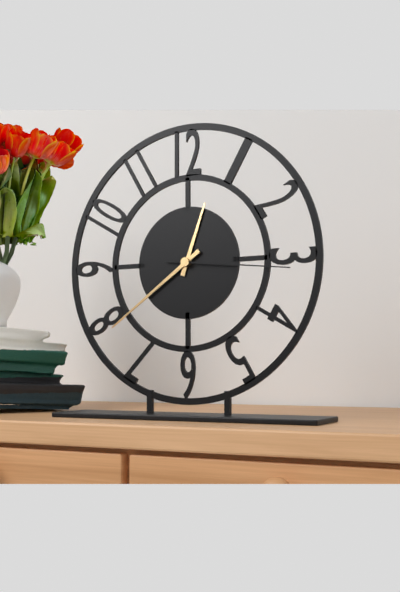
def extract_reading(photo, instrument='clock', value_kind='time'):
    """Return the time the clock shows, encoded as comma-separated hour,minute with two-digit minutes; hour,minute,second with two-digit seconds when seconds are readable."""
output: 12,39,16
